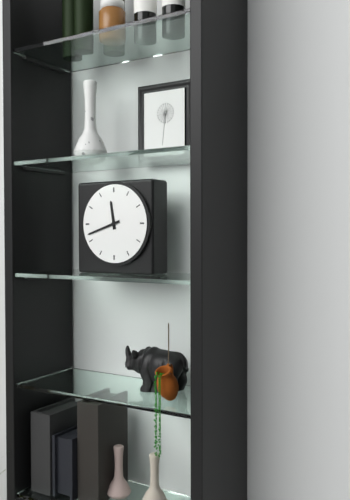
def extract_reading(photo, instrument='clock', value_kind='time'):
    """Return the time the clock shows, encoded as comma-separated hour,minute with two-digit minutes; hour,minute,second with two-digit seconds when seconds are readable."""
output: 11,42
